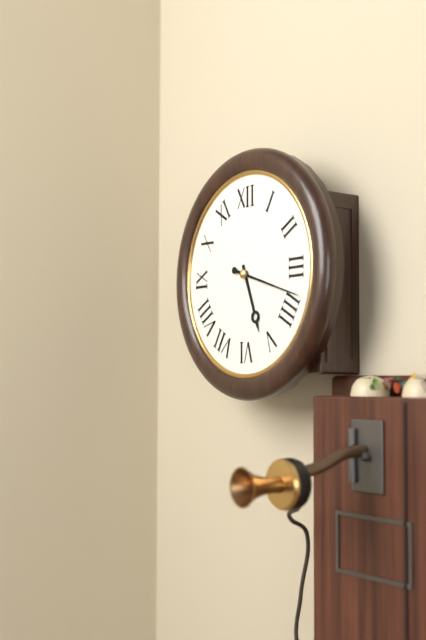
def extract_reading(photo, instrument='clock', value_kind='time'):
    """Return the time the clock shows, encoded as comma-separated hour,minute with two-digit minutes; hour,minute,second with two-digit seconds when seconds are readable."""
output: 5,18
